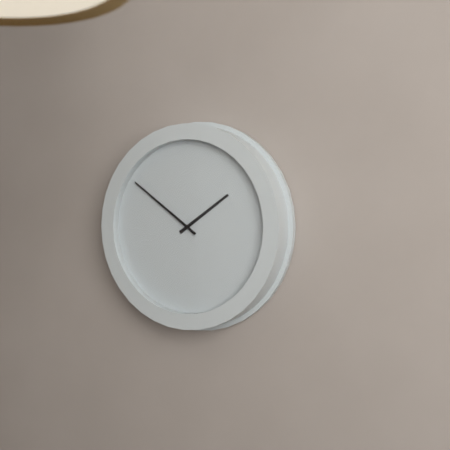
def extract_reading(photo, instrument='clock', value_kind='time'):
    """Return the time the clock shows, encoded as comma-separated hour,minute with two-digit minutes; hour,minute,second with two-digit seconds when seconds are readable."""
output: 1,51
